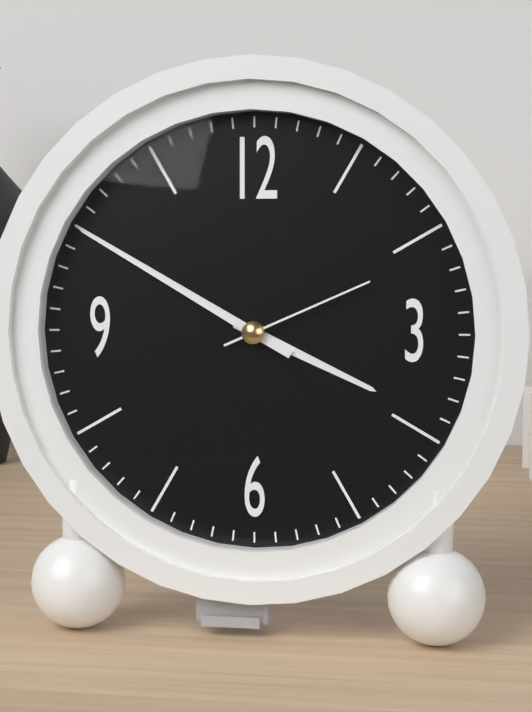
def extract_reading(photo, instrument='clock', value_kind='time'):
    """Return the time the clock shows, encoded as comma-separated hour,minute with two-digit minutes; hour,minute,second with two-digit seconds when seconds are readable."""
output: 3,50,11
